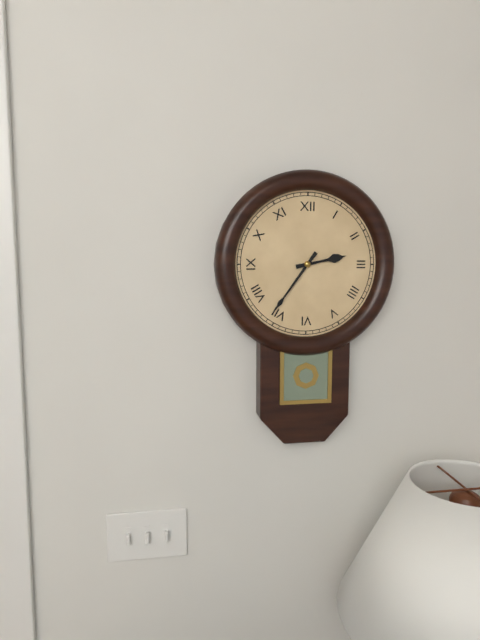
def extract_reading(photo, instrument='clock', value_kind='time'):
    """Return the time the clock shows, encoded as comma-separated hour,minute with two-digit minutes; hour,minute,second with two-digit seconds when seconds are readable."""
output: 2,36
